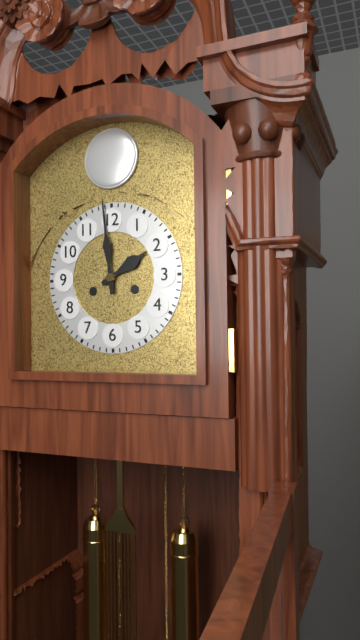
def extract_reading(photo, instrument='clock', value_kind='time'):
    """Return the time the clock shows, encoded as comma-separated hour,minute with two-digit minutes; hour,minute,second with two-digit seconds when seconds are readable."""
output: 1,59
